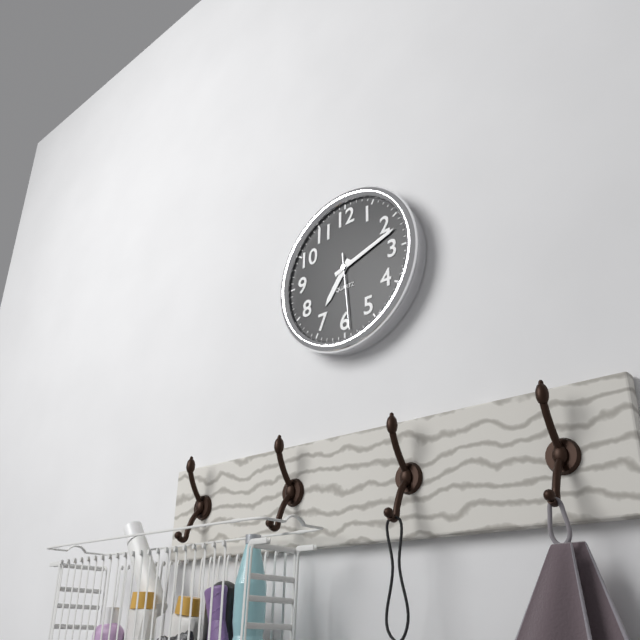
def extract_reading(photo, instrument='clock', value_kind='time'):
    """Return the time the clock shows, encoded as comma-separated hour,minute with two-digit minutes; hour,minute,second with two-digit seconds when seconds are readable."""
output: 7,12,29
